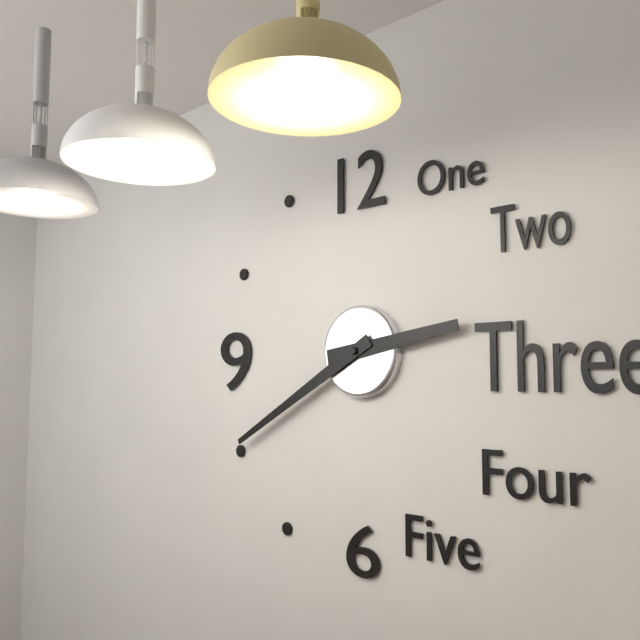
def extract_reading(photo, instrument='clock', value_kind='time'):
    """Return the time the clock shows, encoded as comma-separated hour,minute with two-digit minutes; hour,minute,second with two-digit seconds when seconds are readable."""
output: 2,40
